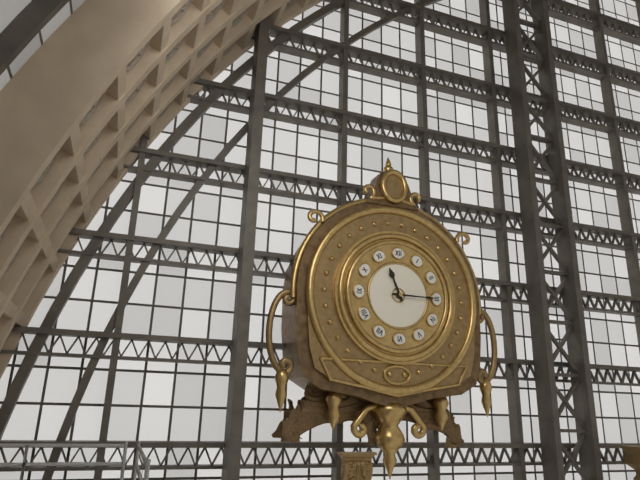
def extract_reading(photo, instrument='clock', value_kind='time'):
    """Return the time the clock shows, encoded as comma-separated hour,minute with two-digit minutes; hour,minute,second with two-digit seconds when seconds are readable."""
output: 11,15
